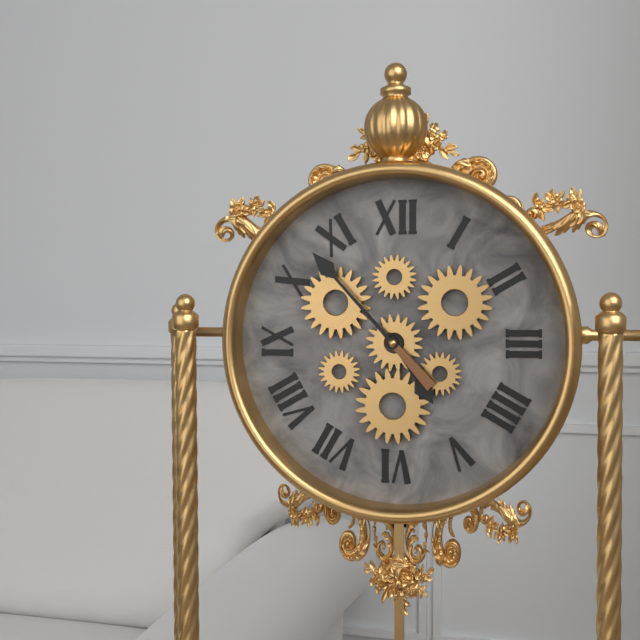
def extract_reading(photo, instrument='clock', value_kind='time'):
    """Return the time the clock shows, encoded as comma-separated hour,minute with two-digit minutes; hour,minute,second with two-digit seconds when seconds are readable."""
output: 4,53
